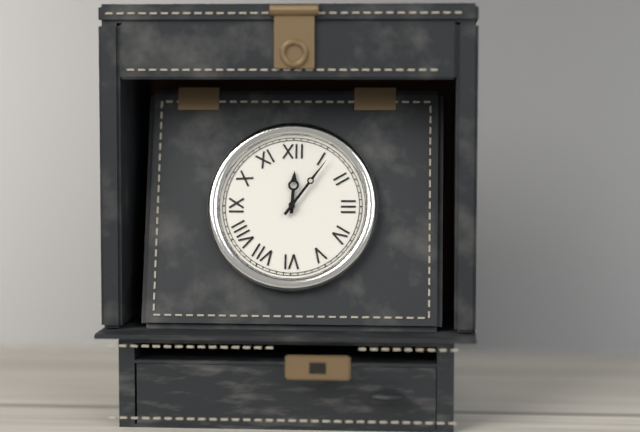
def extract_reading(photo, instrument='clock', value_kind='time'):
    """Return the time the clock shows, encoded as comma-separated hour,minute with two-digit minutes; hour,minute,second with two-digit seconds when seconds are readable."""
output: 12,06
